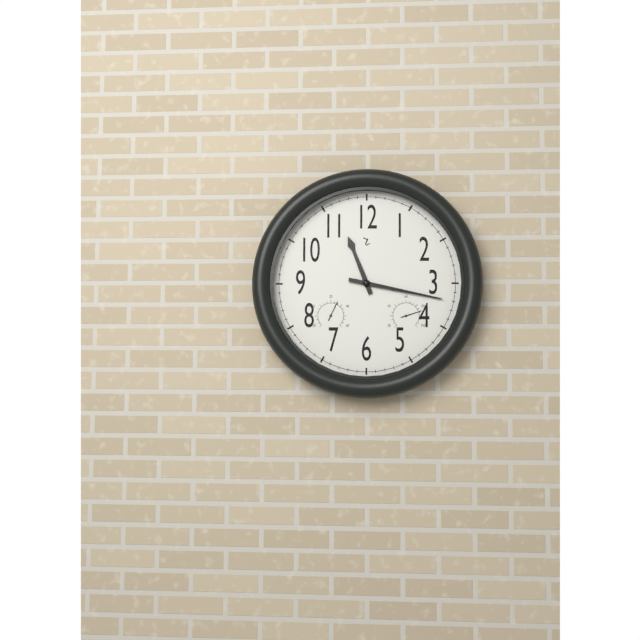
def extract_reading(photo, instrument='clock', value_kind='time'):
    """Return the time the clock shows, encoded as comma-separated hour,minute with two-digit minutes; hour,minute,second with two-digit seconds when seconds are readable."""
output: 11,17
